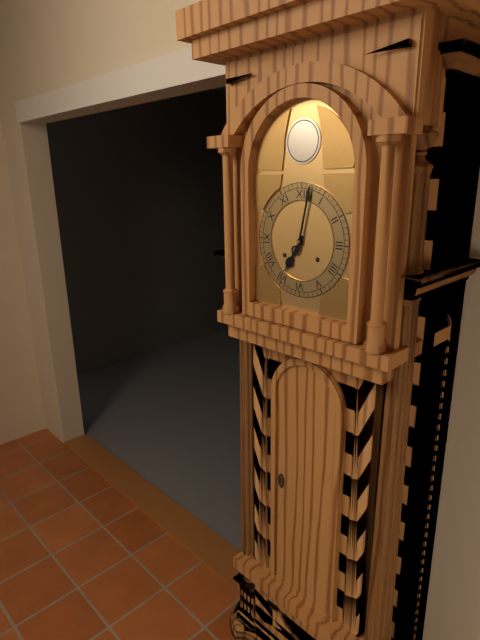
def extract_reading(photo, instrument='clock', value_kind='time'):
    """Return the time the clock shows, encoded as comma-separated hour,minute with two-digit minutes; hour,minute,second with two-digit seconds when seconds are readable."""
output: 7,02
